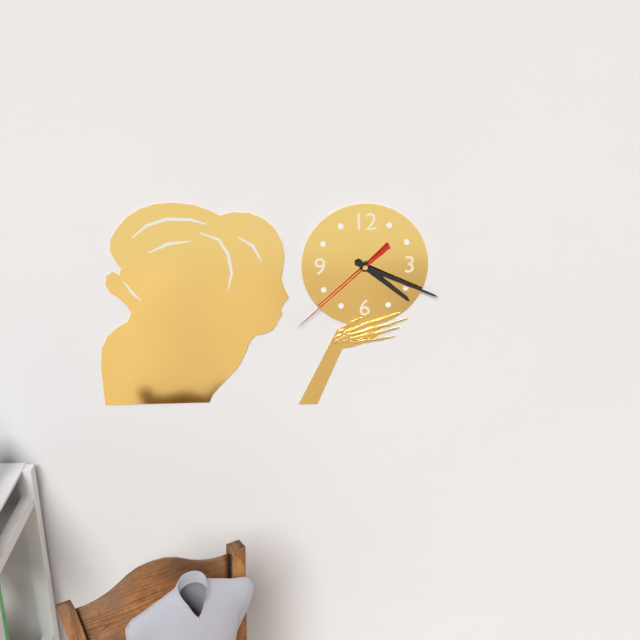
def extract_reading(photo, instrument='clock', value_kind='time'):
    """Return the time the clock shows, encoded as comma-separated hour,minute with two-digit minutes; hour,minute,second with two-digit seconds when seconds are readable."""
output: 4,19,38
